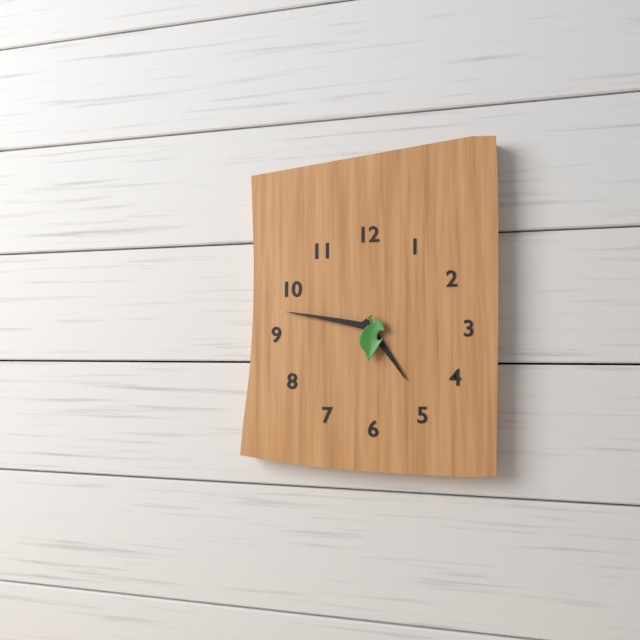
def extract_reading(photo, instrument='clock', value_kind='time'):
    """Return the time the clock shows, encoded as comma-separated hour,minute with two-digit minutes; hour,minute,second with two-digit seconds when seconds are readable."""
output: 4,47
